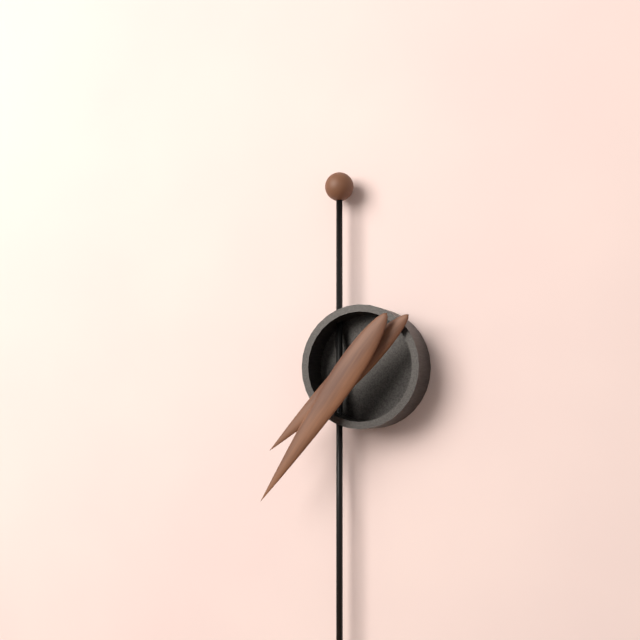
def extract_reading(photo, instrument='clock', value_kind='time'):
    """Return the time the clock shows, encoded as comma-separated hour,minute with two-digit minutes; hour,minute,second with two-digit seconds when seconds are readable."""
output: 7,36
